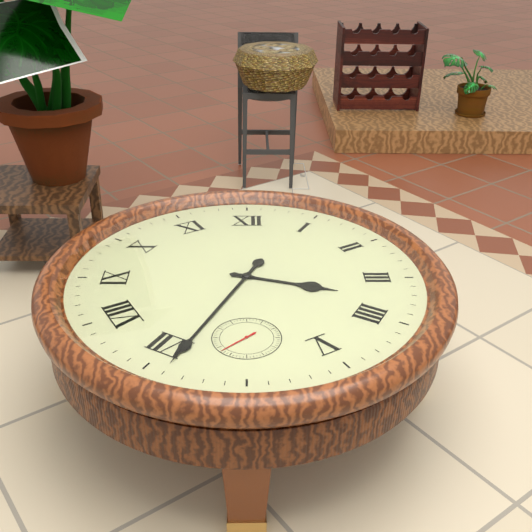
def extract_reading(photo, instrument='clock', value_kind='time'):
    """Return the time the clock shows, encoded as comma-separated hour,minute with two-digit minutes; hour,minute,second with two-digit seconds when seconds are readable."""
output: 3,34
